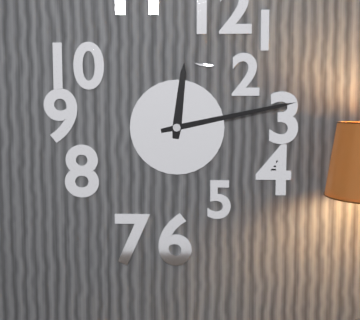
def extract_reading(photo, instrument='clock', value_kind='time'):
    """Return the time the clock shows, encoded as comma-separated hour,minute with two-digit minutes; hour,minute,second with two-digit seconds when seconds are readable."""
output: 12,13
